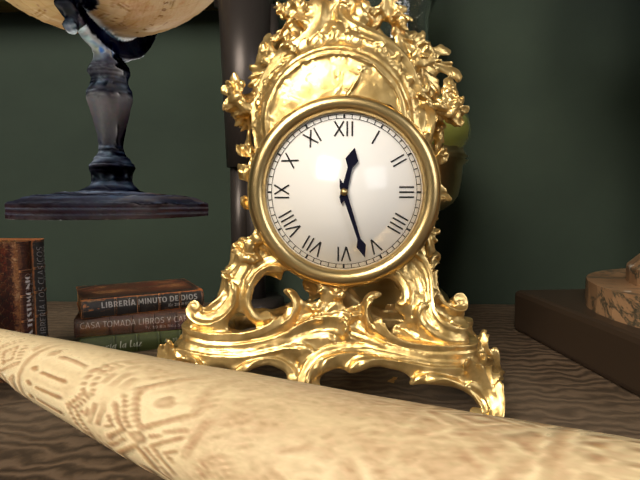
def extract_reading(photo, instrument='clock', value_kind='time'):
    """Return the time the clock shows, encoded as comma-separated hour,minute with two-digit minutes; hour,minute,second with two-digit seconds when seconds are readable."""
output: 12,27
